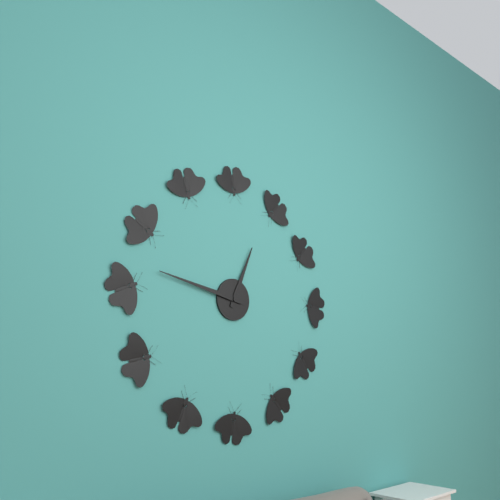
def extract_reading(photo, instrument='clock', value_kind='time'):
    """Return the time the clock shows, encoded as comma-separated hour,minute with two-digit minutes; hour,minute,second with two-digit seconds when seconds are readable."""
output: 12,47
